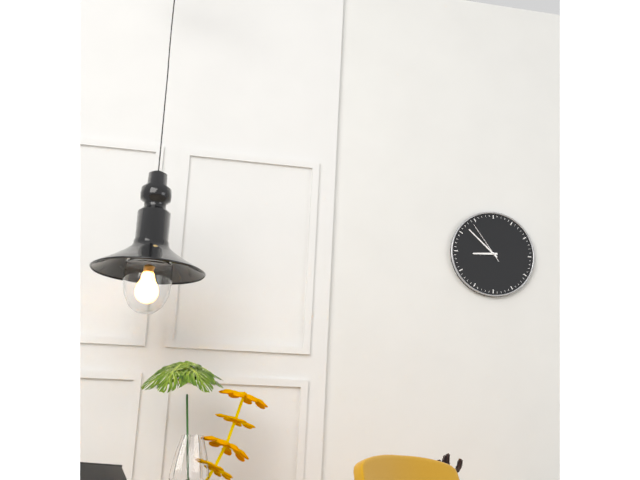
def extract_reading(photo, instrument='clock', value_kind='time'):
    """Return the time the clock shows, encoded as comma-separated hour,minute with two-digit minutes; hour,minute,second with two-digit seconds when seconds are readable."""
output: 8,52
